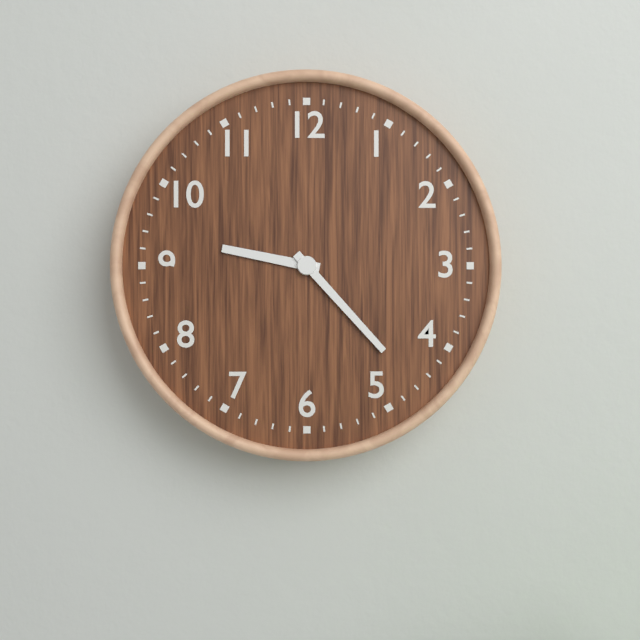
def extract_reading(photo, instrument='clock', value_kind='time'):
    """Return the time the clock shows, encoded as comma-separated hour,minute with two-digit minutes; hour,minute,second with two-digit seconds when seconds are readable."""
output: 9,23
